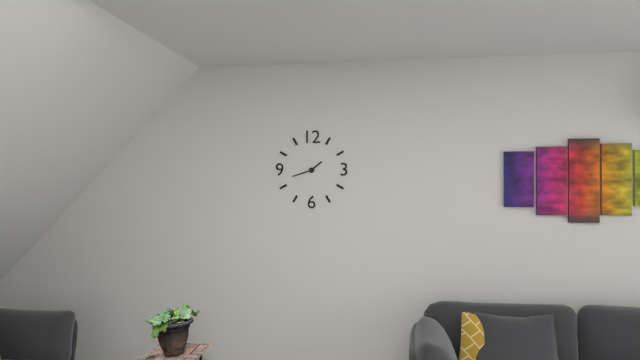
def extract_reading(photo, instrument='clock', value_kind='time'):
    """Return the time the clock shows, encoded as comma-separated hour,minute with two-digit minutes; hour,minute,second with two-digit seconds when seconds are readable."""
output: 1,42
